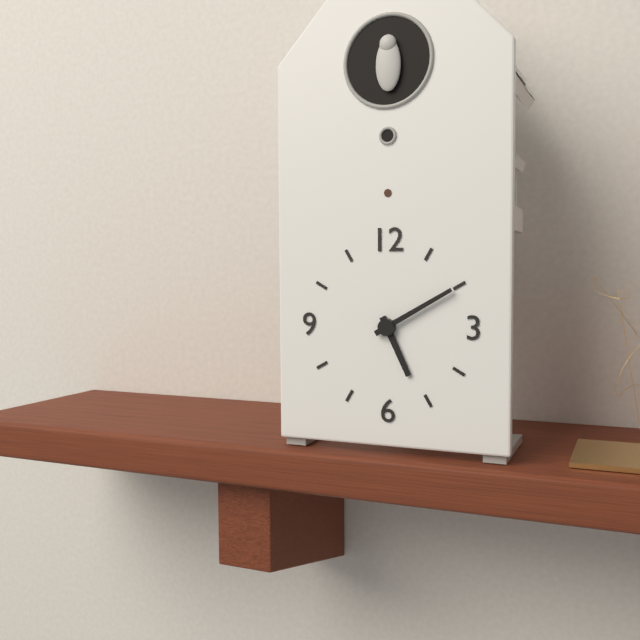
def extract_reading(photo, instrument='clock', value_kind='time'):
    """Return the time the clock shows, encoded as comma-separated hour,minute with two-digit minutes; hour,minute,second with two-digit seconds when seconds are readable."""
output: 5,10
